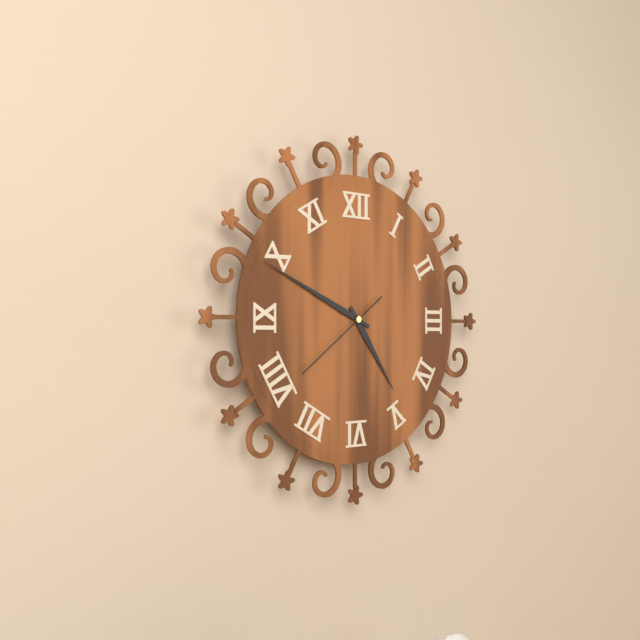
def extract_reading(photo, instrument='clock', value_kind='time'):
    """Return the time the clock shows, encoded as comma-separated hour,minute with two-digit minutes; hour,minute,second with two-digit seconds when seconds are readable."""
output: 4,49,39
